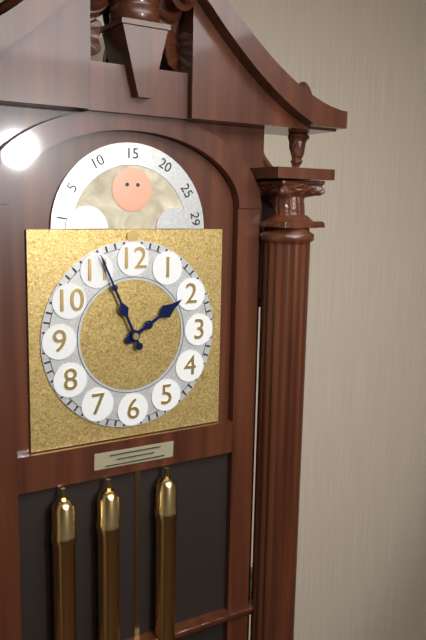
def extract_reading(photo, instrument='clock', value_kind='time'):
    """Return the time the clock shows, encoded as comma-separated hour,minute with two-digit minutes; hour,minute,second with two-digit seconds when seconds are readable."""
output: 1,56
